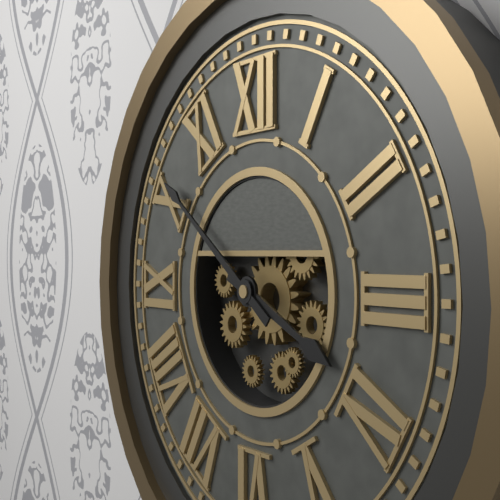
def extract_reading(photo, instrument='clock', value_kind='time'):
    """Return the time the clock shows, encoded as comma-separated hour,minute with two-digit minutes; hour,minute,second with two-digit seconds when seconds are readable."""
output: 3,51
